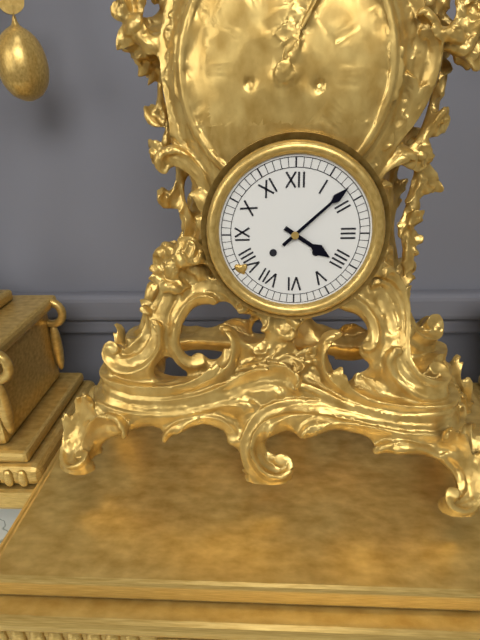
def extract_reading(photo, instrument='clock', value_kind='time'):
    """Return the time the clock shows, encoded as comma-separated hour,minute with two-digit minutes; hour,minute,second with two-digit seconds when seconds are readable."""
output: 4,08
